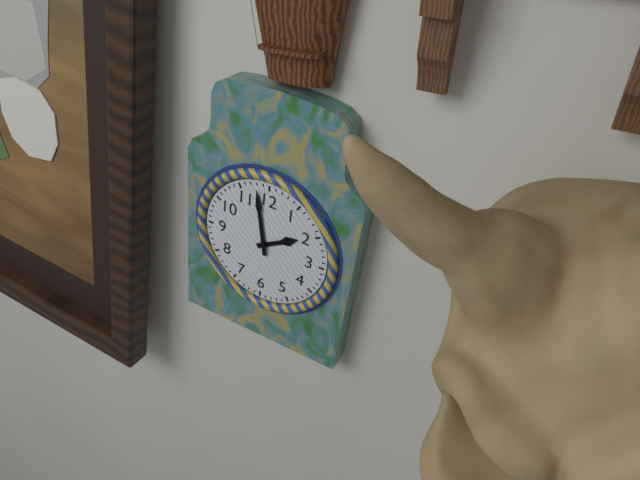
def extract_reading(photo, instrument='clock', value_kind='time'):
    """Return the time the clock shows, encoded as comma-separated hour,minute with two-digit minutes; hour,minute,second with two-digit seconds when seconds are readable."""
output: 1,58
